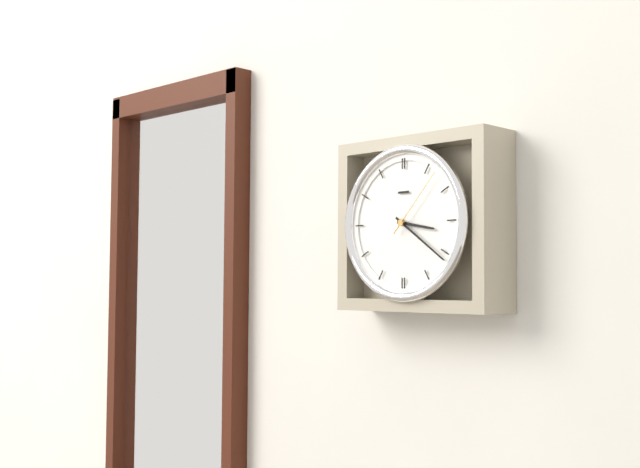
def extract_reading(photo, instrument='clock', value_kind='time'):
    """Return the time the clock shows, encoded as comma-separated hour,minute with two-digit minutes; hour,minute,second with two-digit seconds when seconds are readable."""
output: 3,21,07
